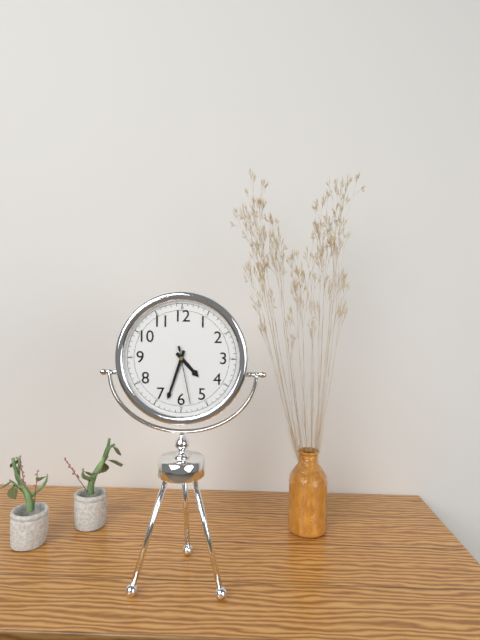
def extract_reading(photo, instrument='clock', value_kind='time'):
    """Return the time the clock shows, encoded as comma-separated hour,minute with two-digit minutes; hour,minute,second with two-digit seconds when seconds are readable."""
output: 4,33,28
